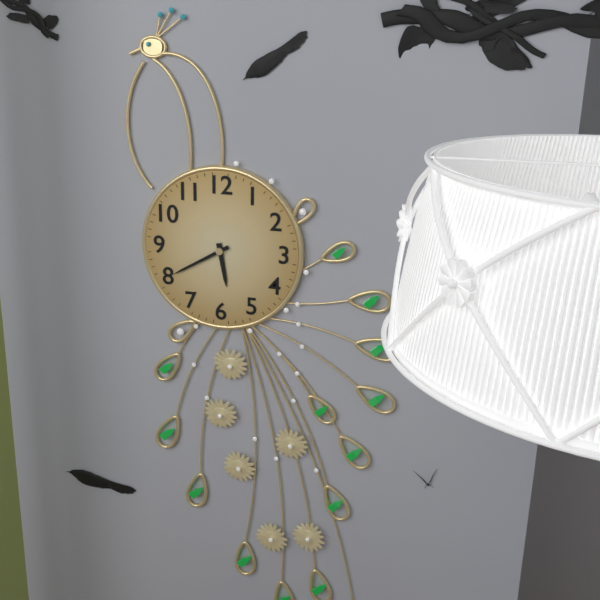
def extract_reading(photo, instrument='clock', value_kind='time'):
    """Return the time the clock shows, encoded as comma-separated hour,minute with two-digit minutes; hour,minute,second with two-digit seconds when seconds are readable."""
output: 5,40
